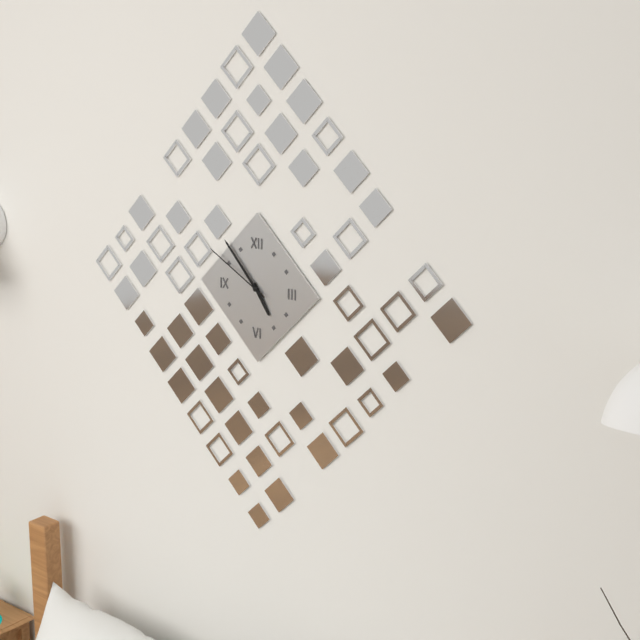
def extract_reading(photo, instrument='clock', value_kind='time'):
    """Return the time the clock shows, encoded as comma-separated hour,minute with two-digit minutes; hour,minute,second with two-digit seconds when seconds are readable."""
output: 4,53,50
